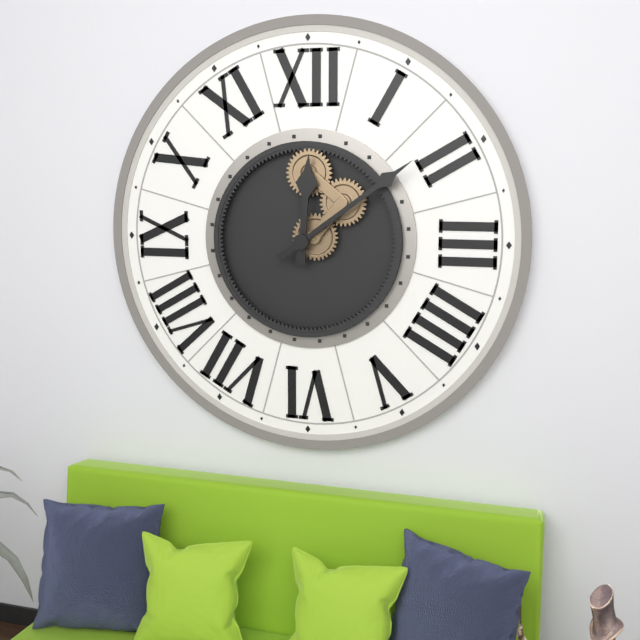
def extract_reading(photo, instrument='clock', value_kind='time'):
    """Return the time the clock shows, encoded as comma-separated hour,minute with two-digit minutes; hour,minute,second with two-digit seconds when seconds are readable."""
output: 12,09
